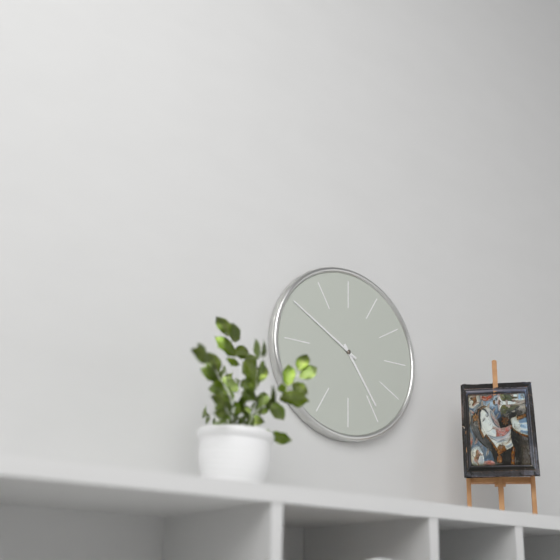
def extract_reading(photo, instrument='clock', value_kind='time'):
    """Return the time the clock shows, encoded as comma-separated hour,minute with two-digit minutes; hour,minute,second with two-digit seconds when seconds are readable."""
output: 4,50
